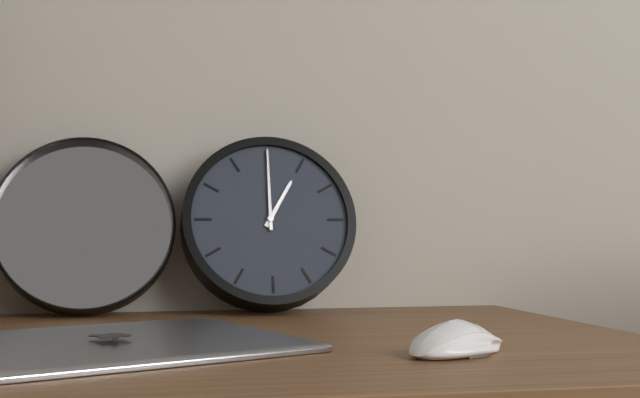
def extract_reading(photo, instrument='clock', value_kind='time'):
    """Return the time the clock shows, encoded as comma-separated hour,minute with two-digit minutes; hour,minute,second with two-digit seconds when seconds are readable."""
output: 1,00
